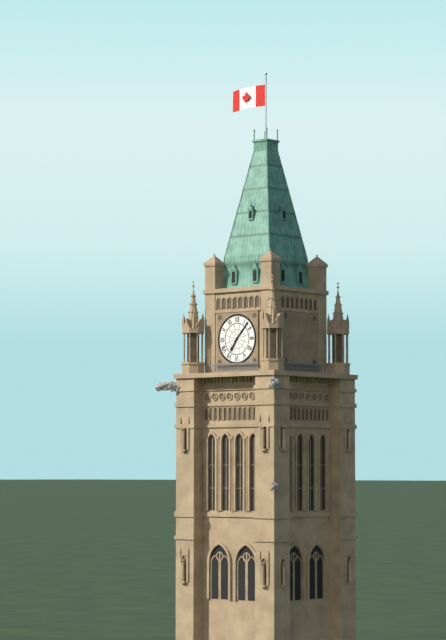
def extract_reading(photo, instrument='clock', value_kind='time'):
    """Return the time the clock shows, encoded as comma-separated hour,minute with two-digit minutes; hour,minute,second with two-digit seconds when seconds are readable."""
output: 7,07
